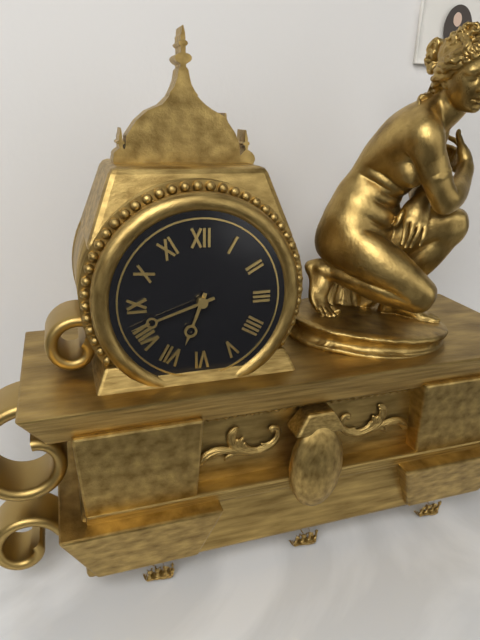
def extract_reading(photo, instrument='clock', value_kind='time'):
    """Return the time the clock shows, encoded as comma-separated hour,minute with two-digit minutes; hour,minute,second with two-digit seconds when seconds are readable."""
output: 6,42
